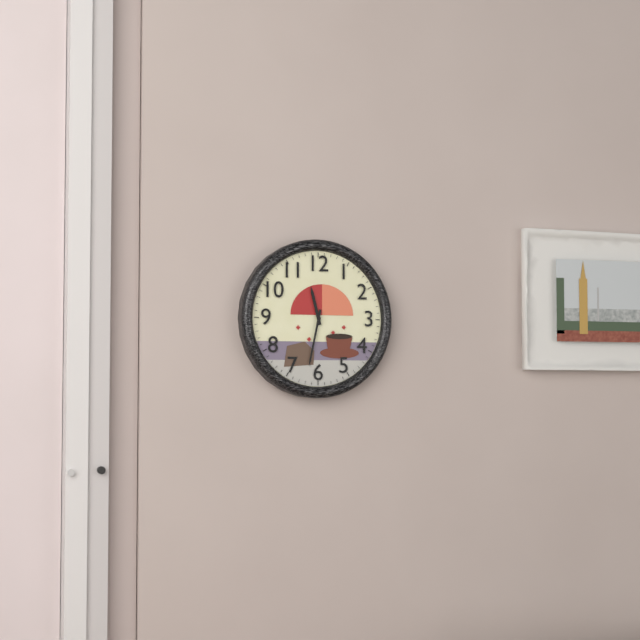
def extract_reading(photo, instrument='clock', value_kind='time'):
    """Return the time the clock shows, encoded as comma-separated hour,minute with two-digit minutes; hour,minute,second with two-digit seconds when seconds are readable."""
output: 11,32
